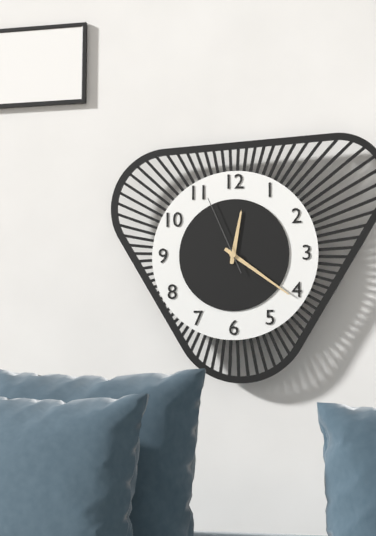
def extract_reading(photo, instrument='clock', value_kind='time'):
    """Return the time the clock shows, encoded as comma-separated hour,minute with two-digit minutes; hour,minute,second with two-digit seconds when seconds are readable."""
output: 12,21,56
